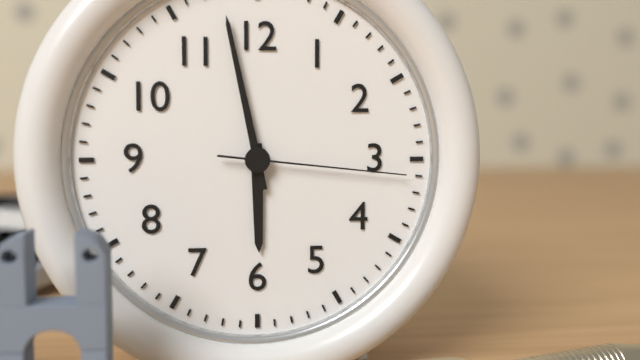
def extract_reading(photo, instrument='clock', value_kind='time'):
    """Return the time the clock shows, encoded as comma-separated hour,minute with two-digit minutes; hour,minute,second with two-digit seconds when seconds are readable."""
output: 5,58,16
